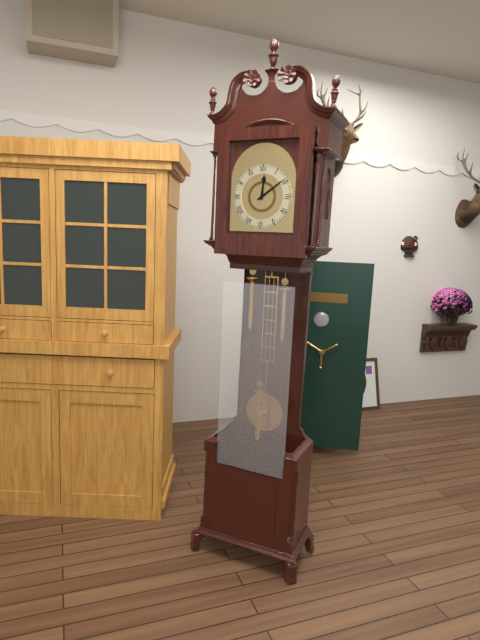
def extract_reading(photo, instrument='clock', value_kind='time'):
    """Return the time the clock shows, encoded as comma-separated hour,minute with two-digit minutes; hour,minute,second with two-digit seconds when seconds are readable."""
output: 12,09
